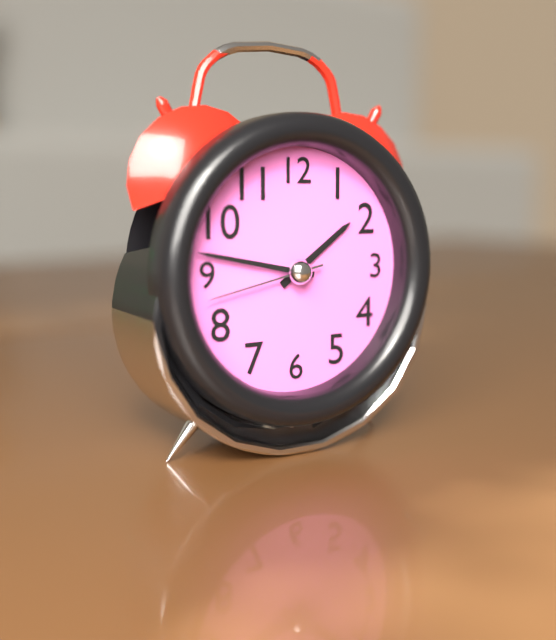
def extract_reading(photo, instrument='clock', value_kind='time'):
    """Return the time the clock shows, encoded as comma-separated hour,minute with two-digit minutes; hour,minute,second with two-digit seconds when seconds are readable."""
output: 1,47,43
